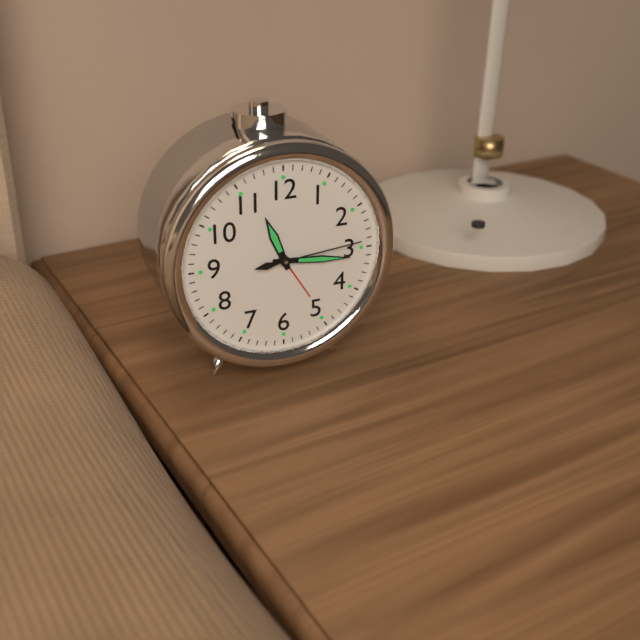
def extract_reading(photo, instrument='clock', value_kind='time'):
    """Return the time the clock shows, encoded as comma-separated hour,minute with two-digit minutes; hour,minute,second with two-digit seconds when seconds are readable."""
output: 11,16,14
